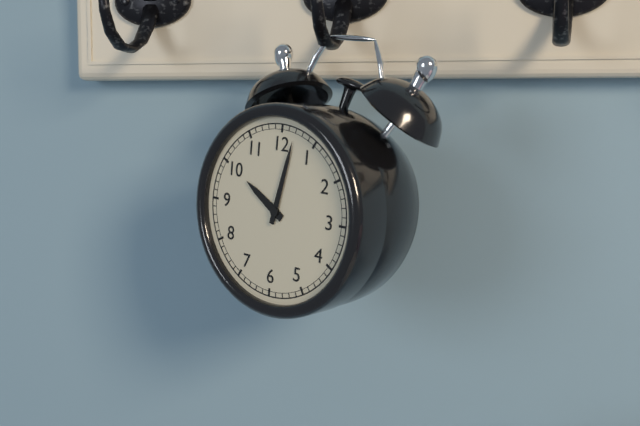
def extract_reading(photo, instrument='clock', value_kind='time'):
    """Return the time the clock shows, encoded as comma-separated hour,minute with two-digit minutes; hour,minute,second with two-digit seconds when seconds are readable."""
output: 10,02
